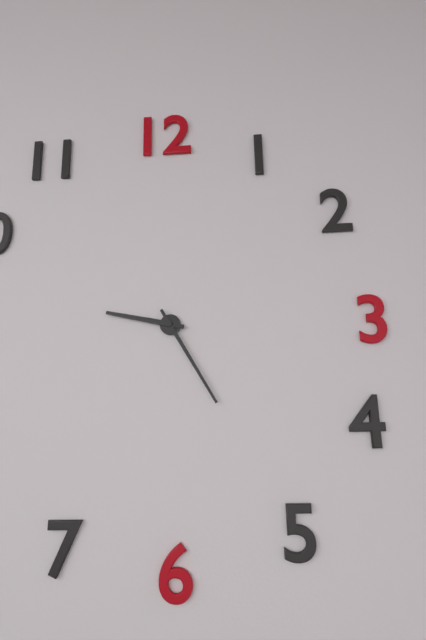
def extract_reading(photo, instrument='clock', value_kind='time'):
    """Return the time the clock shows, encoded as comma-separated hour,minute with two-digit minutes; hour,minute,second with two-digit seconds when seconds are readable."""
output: 9,25
